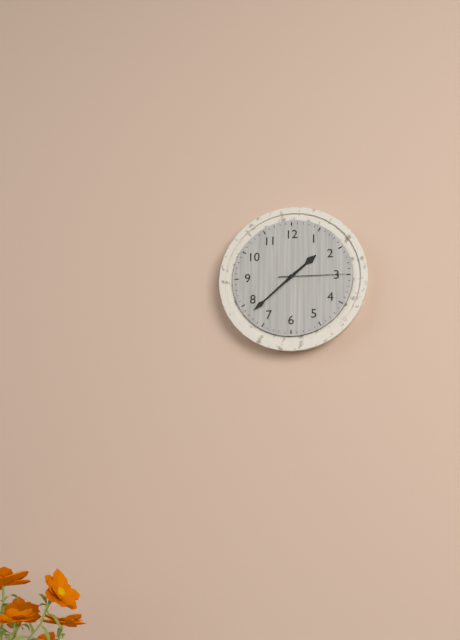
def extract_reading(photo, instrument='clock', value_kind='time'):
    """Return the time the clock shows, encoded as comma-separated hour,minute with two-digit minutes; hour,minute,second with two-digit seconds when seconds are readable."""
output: 1,38,15
